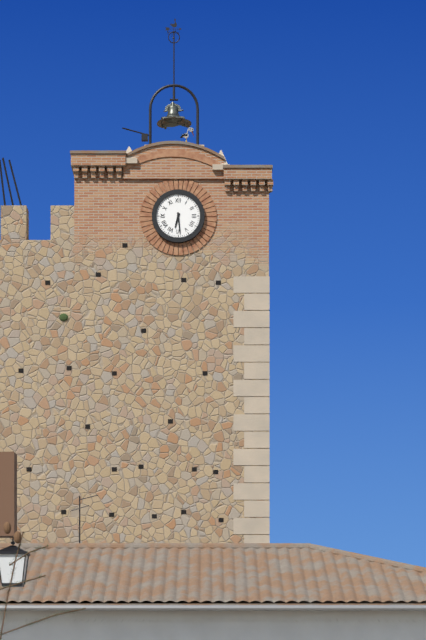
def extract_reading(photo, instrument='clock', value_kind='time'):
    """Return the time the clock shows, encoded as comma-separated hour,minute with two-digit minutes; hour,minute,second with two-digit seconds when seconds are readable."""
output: 6,29
